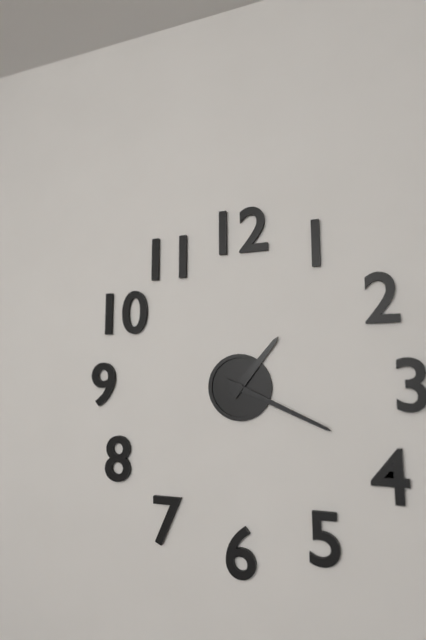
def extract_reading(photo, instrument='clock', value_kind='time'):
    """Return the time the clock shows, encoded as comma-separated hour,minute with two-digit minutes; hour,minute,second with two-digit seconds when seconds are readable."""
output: 1,19
